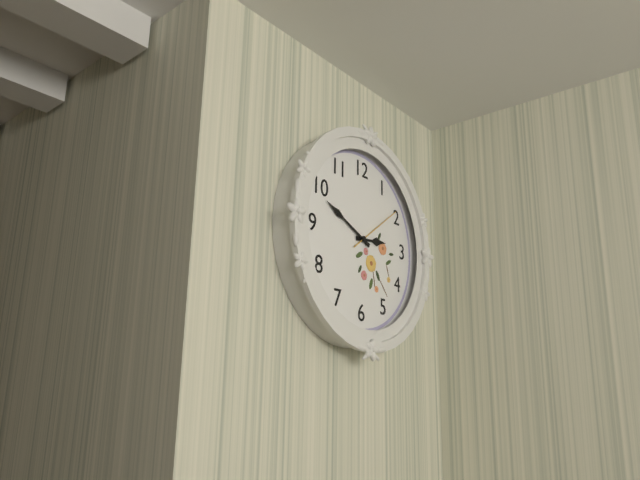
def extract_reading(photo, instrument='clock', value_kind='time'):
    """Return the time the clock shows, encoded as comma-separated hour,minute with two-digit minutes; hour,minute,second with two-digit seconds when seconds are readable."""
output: 2,49,09
